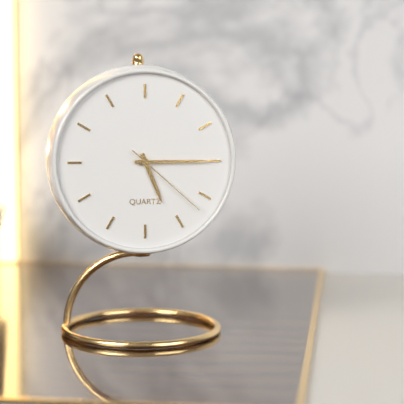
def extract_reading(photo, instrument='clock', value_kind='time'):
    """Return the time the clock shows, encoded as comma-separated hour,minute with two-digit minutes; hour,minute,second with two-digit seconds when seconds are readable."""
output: 5,15,22
